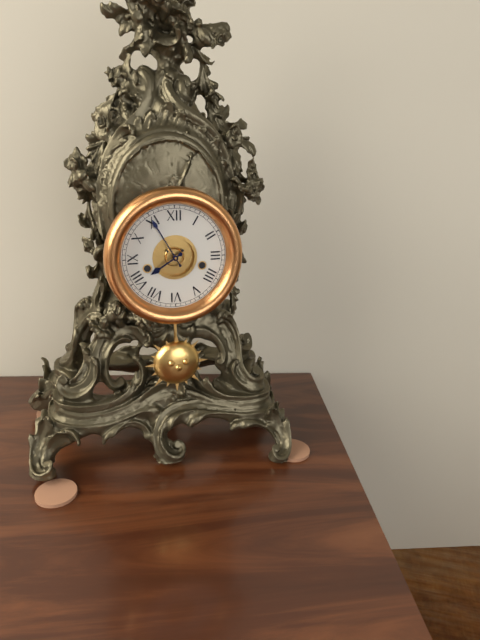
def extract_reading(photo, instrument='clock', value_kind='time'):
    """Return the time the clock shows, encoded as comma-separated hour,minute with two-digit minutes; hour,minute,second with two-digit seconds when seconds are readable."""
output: 7,55
